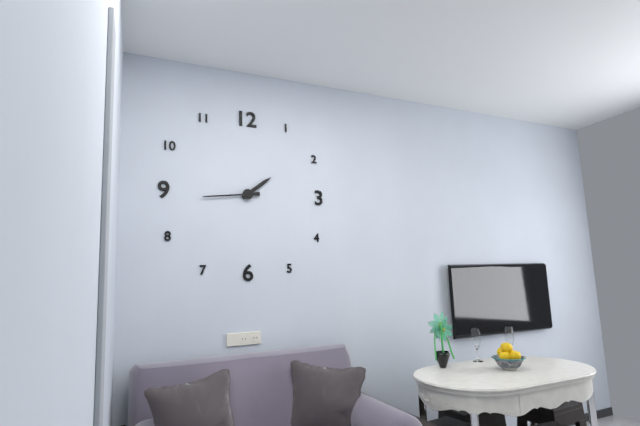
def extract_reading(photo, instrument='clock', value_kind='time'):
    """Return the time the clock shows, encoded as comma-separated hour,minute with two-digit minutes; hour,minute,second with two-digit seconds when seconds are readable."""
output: 1,44
